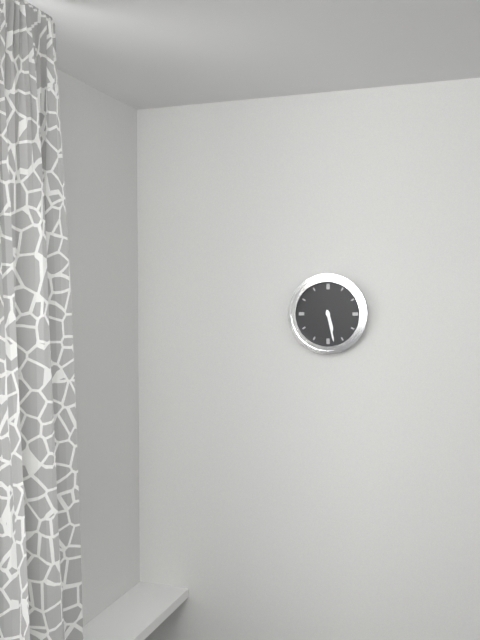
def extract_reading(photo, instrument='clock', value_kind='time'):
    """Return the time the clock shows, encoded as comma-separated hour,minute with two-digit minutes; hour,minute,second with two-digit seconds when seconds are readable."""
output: 5,28
